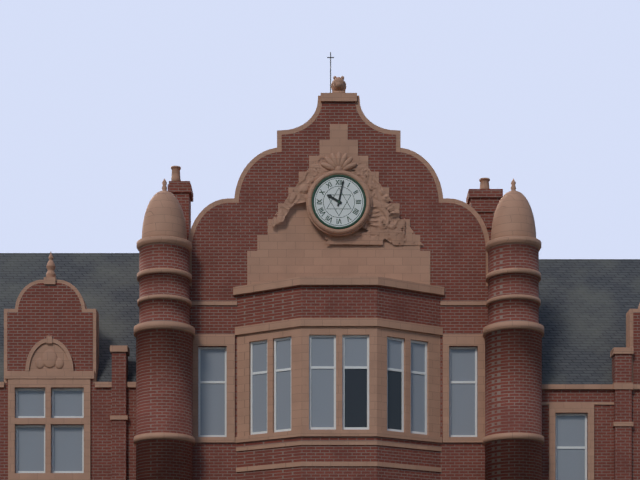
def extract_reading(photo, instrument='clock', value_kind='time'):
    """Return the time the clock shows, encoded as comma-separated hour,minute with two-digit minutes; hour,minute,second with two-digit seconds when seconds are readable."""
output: 10,02
